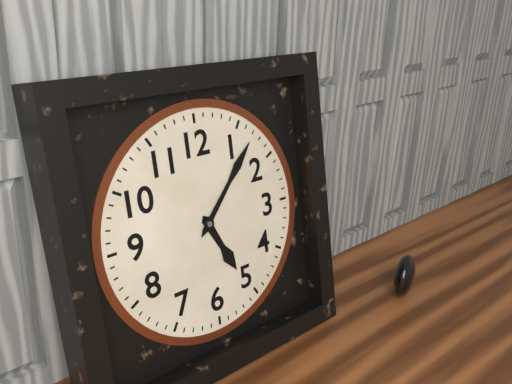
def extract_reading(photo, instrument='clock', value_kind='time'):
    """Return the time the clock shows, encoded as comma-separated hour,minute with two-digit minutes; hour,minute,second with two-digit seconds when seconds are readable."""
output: 5,07
